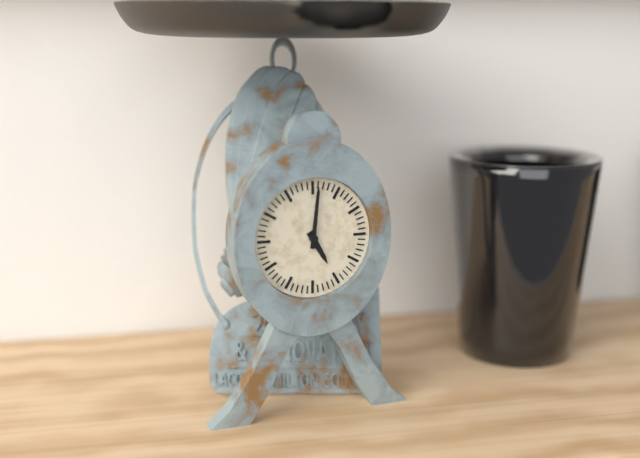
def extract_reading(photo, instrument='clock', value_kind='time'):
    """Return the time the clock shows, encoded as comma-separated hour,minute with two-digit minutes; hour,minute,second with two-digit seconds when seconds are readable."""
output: 5,01
